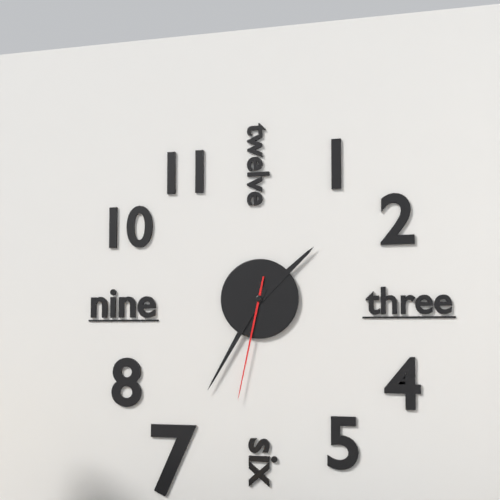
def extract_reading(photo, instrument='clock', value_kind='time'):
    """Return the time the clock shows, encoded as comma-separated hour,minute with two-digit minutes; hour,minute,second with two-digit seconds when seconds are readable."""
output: 1,35,32
